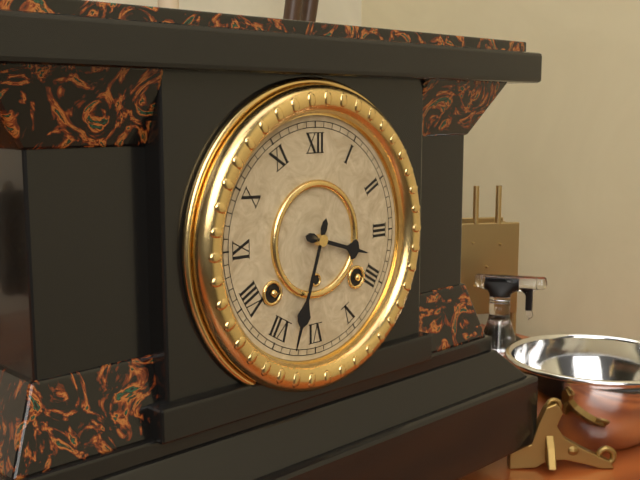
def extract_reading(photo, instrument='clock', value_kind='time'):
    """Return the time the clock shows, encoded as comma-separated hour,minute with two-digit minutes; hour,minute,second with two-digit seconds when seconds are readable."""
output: 3,33
